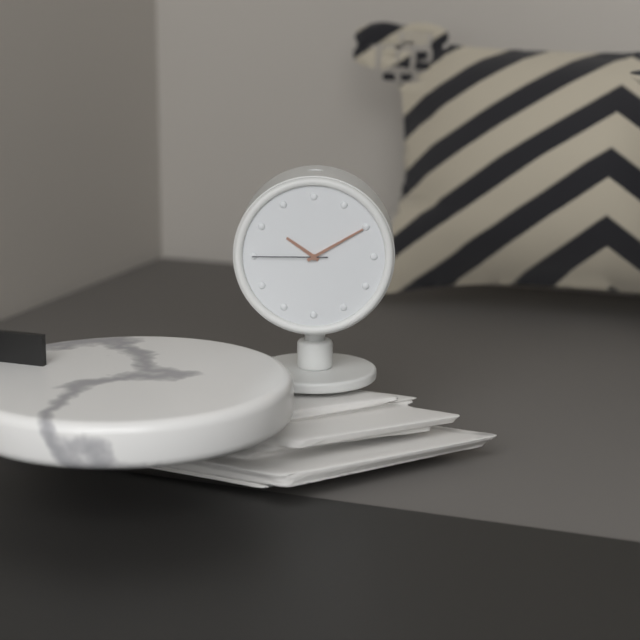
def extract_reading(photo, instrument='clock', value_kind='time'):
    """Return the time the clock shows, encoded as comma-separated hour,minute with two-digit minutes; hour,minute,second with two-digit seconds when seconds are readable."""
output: 10,10,45
